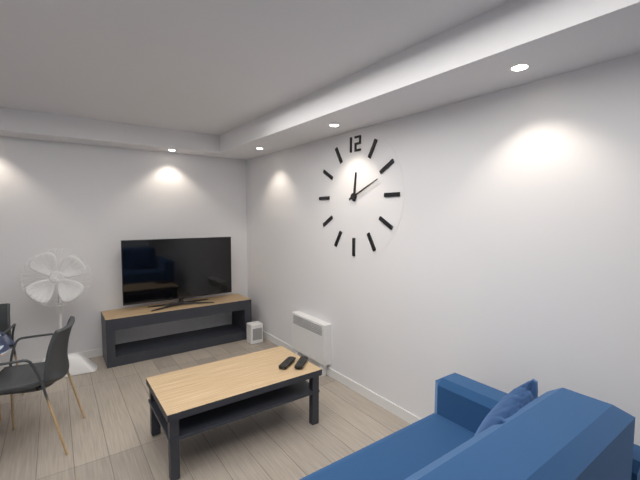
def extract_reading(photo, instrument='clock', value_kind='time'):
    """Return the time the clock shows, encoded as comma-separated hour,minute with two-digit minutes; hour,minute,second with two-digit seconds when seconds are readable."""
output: 12,11
